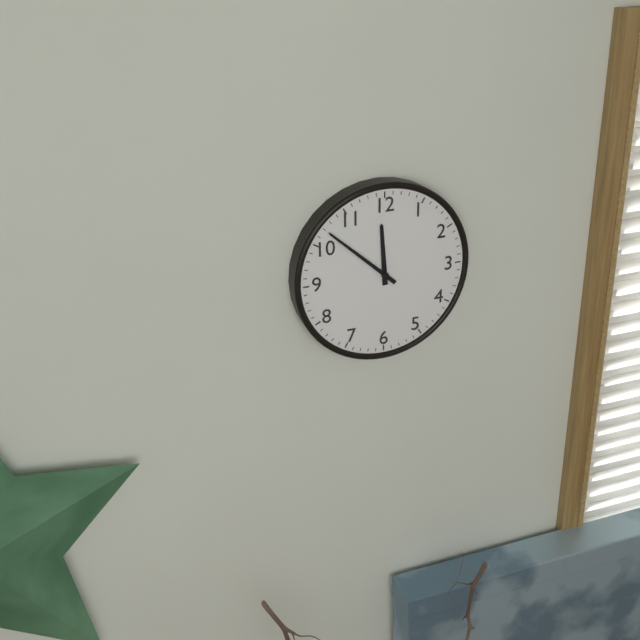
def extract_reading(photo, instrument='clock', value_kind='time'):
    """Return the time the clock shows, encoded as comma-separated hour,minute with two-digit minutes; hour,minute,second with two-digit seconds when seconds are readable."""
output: 11,52
